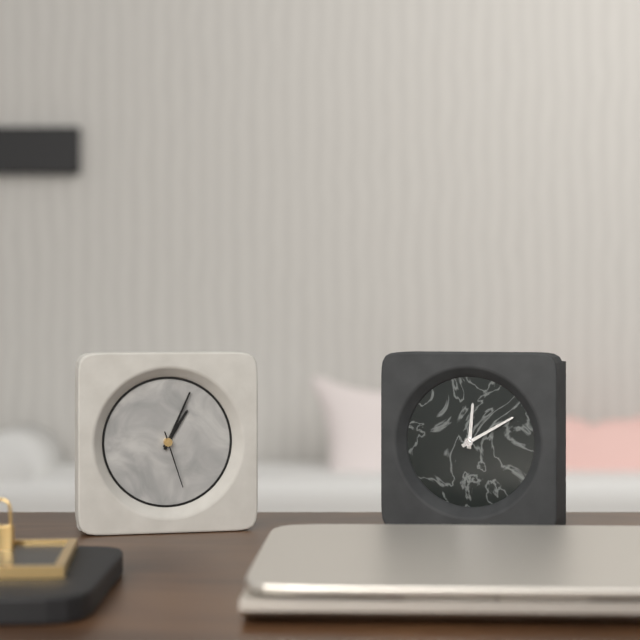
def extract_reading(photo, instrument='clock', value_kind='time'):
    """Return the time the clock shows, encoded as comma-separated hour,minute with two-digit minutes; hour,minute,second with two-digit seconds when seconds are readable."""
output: 1,04,27
